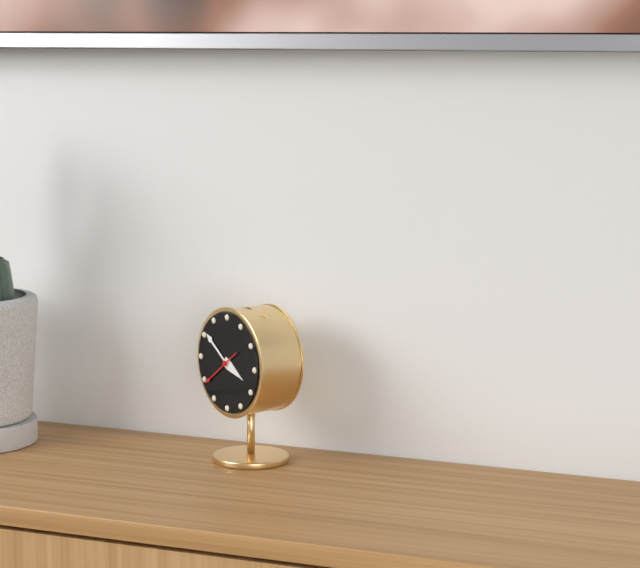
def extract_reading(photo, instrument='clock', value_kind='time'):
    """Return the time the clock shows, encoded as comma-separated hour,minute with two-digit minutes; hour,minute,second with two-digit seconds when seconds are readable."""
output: 3,51
